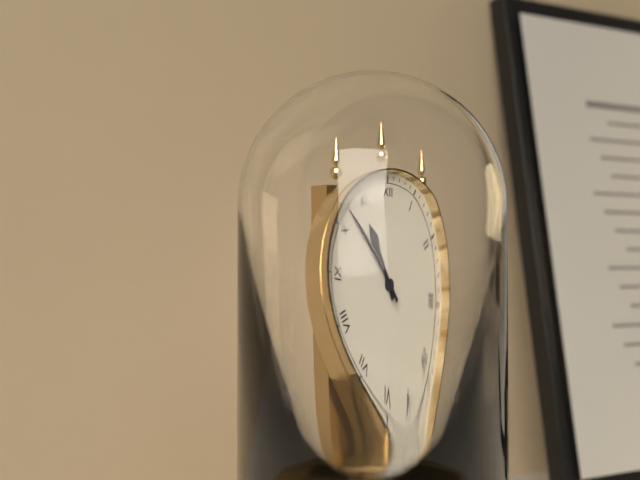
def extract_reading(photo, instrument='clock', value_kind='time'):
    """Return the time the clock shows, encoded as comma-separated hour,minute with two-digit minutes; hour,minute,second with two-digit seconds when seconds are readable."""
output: 10,52
